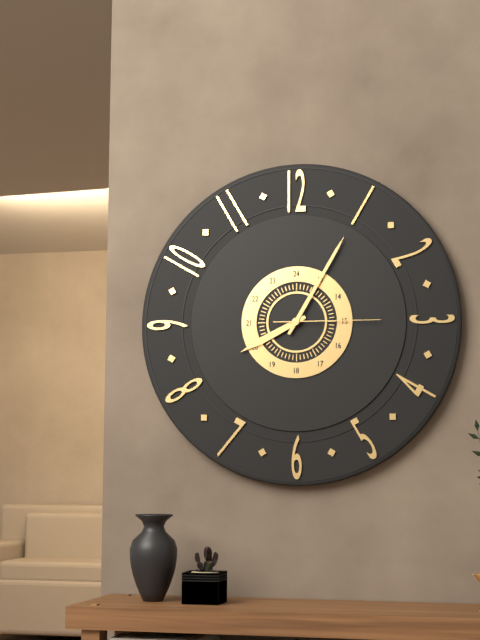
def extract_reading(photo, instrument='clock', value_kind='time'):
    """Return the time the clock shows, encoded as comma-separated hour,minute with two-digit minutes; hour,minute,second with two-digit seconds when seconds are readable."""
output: 8,05,15
